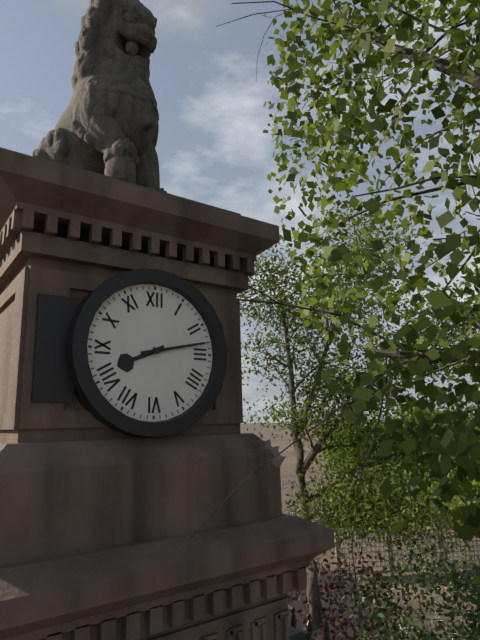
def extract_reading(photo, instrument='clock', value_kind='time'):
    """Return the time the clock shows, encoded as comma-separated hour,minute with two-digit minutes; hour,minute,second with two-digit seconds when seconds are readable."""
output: 8,13
